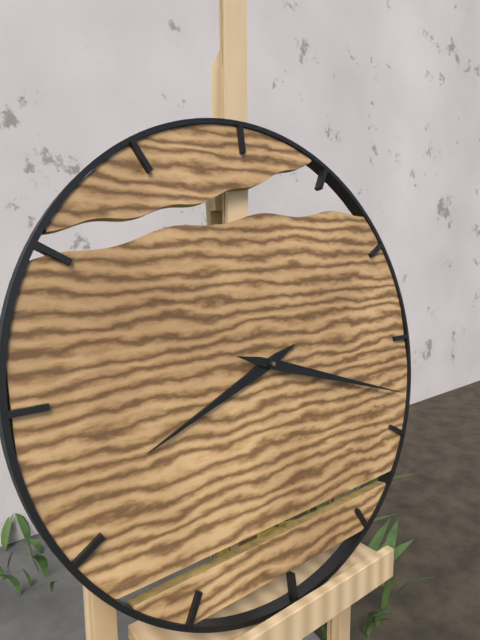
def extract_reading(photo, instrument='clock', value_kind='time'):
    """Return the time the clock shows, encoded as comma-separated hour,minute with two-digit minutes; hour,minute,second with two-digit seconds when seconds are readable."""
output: 8,18
